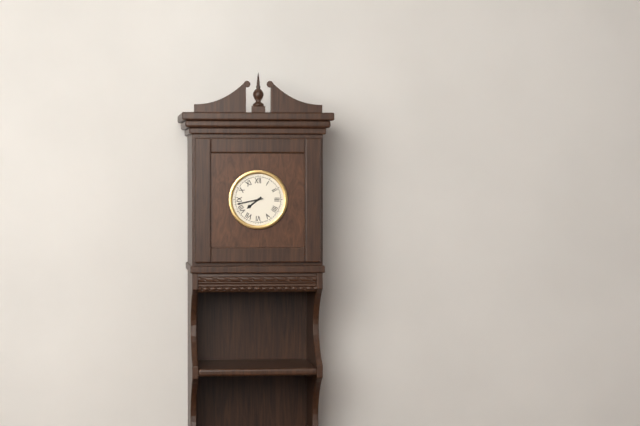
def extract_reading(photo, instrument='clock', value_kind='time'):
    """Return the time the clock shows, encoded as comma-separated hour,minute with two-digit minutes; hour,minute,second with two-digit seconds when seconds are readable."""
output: 7,43
